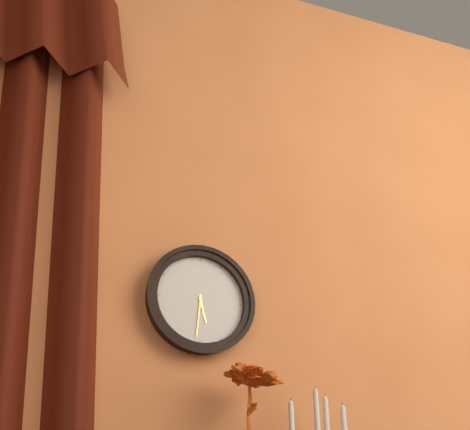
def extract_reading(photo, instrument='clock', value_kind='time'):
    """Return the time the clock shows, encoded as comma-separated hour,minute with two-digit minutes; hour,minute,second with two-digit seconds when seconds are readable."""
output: 5,31
